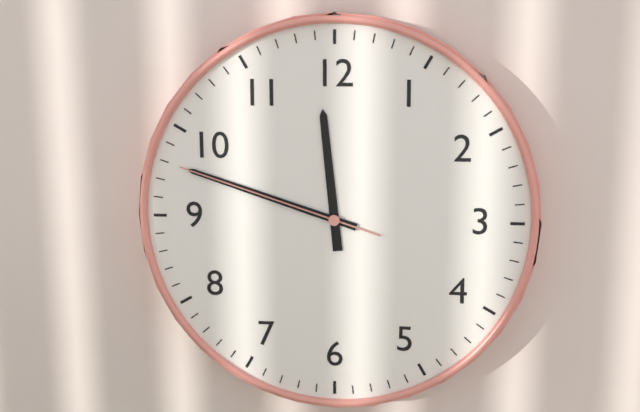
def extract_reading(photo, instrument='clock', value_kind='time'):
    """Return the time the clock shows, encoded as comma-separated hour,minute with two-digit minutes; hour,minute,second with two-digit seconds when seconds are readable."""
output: 11,48,48
